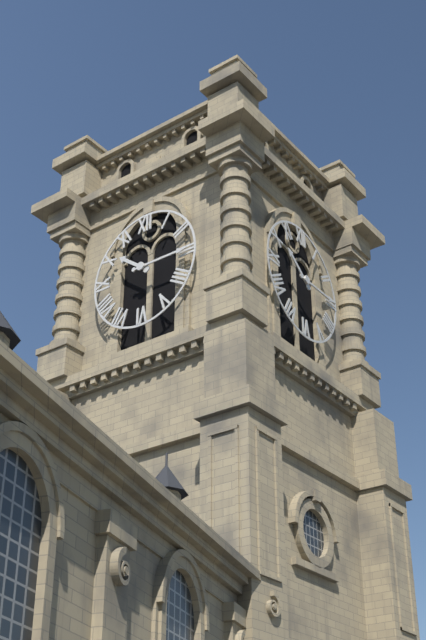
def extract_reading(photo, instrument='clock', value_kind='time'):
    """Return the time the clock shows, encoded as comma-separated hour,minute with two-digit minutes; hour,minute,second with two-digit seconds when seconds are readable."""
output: 10,15
